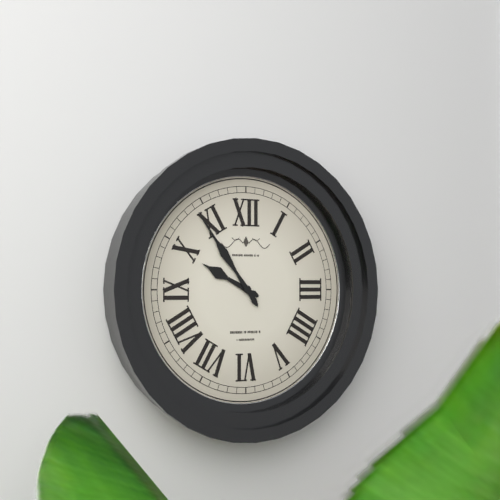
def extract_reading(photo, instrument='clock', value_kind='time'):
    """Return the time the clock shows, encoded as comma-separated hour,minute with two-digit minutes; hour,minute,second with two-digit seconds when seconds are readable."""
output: 9,54
